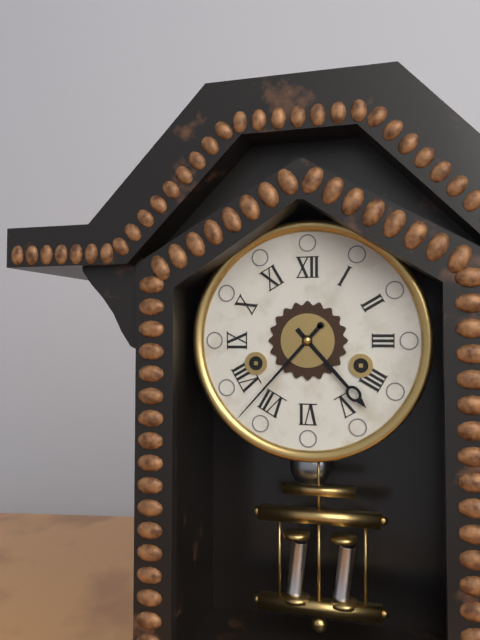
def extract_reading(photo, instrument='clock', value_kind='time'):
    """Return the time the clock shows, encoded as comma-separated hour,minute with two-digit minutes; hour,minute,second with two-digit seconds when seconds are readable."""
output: 4,37
